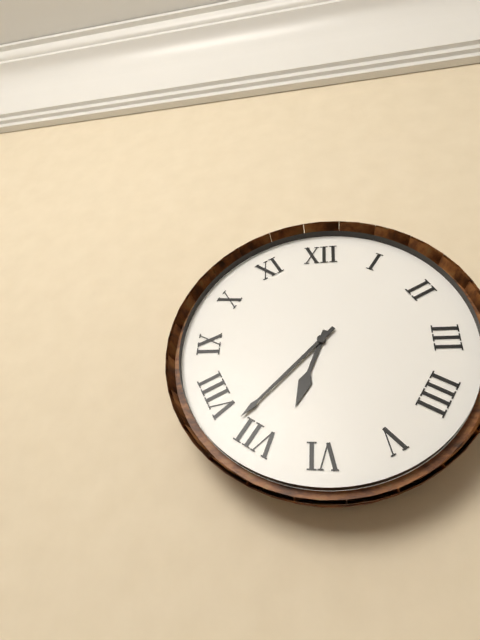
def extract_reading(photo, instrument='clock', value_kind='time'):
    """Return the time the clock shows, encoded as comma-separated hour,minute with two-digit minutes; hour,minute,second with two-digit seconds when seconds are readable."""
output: 6,37
